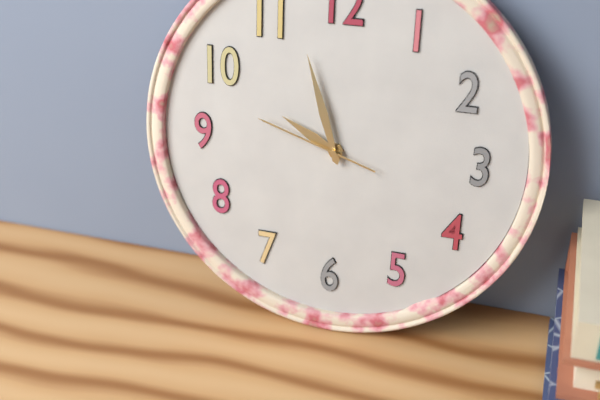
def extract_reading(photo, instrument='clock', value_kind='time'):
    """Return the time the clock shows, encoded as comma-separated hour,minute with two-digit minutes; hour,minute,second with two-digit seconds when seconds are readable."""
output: 9,57,48
